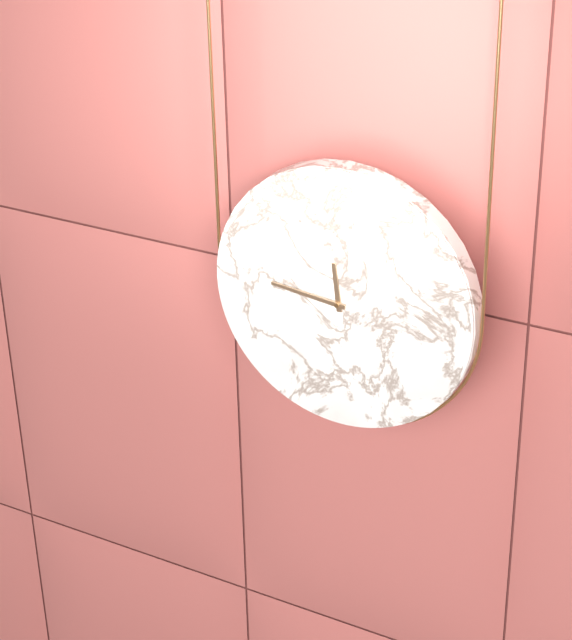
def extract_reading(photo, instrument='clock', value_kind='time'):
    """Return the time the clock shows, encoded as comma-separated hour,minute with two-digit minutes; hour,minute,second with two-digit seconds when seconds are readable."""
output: 11,46
